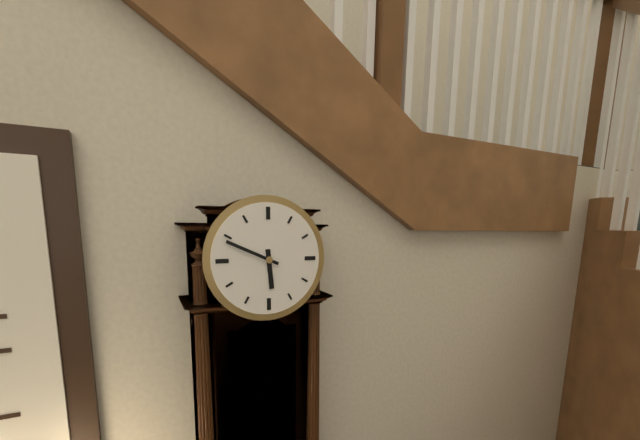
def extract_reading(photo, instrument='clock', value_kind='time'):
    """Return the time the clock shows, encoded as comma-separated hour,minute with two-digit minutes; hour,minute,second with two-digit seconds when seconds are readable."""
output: 5,49
